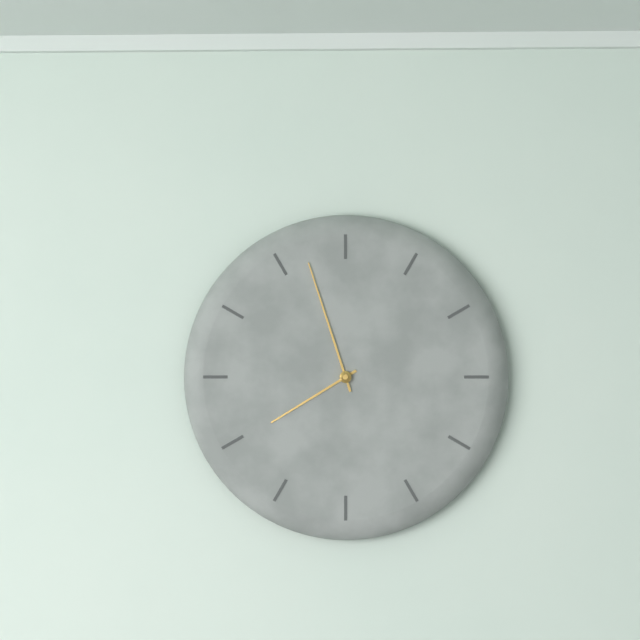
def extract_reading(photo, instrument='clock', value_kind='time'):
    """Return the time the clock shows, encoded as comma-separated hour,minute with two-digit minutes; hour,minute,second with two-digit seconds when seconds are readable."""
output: 7,57
